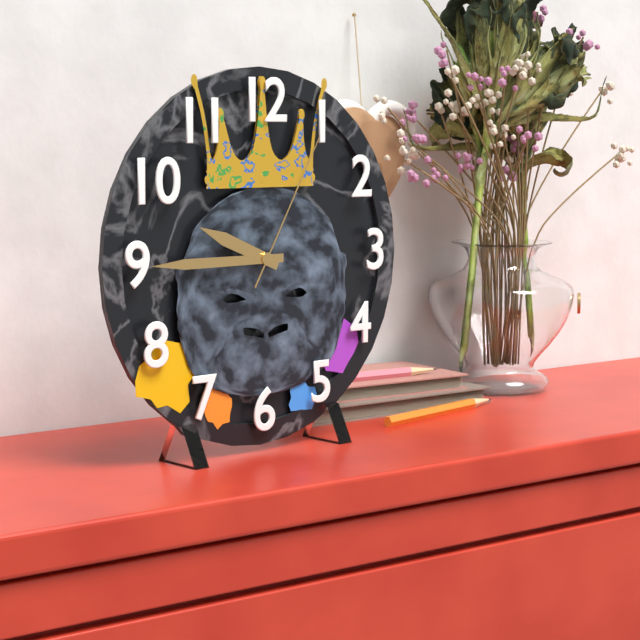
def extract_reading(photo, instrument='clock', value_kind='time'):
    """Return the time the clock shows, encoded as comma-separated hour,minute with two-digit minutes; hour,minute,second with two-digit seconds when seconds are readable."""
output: 9,45,05
